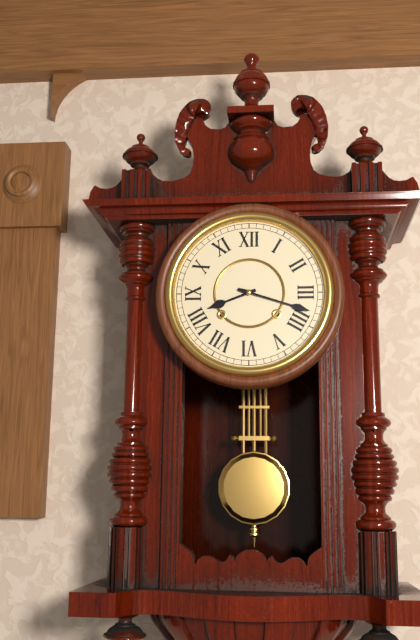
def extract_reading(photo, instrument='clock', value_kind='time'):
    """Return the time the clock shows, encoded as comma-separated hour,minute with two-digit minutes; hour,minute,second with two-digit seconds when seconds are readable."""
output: 8,18
